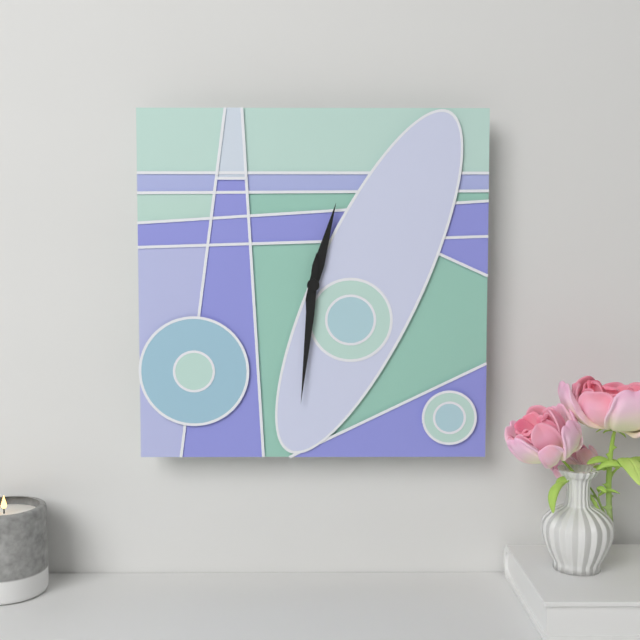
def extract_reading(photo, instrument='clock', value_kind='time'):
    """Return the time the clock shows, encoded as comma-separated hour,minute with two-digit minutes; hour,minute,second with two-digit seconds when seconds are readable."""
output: 12,31
